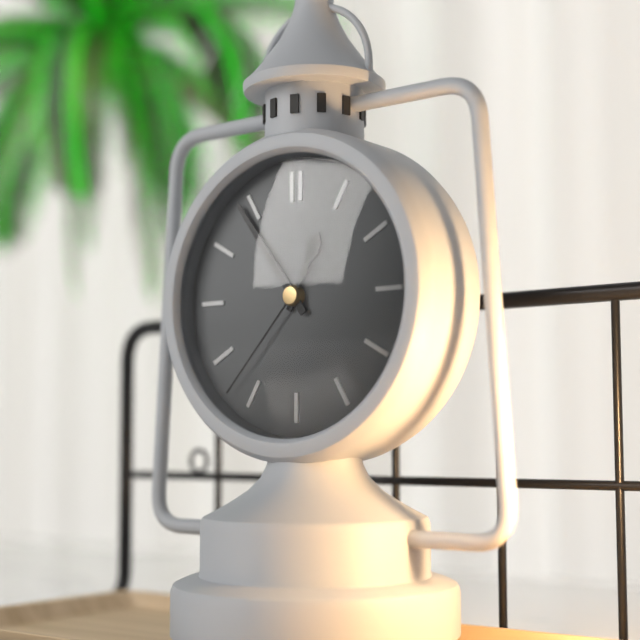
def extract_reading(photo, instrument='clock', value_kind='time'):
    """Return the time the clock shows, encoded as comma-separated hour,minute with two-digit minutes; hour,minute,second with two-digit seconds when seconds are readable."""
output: 12,54,37
